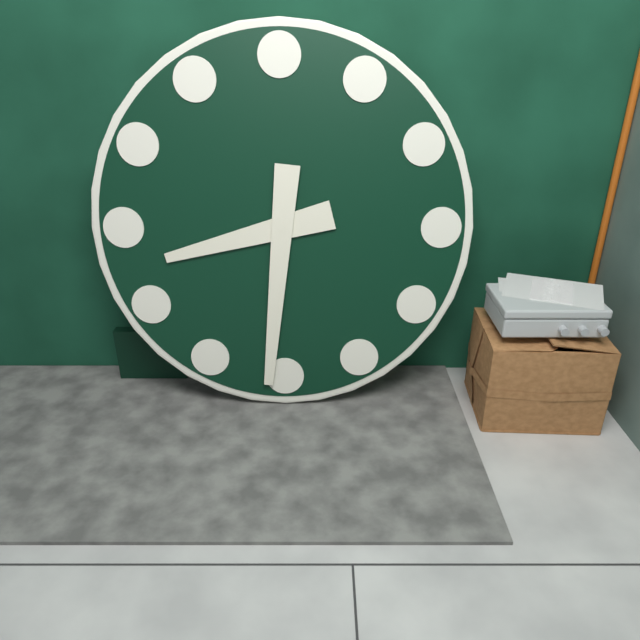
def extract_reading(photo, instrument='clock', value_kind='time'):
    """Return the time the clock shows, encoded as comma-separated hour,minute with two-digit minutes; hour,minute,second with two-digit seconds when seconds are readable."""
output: 8,31
